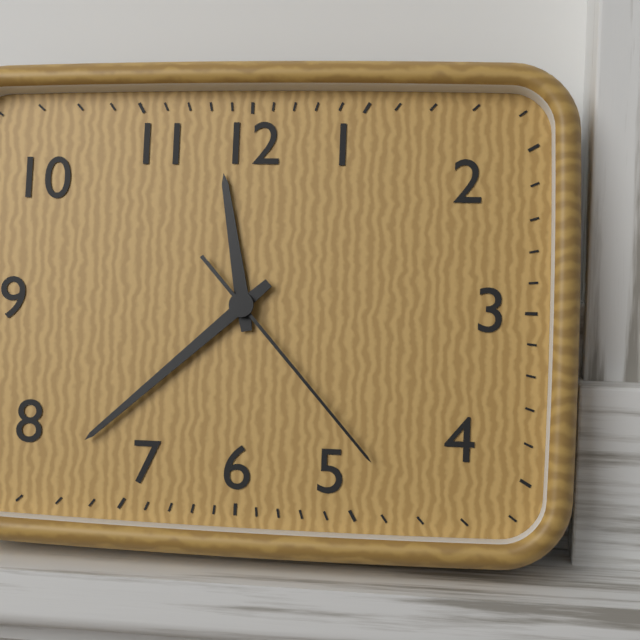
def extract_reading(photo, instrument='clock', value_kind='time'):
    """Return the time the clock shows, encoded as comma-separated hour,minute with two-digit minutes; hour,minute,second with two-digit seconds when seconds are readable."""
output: 11,38,23
